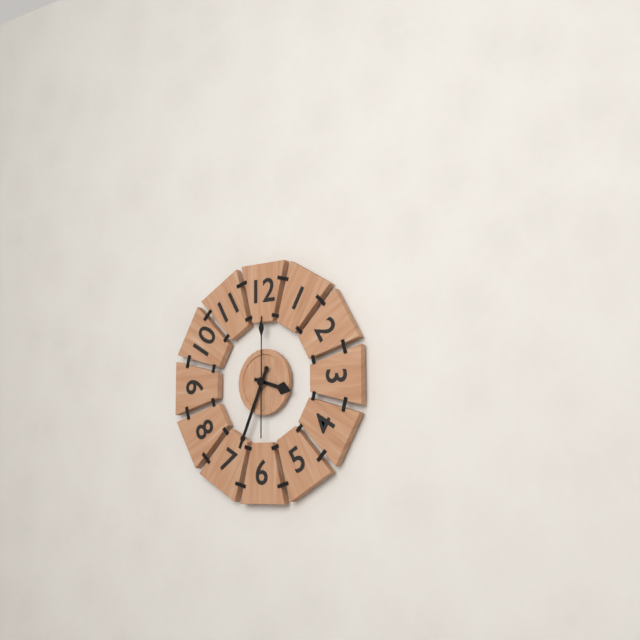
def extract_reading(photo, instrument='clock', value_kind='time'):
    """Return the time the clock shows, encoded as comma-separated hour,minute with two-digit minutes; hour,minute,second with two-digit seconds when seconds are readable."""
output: 3,34,00
